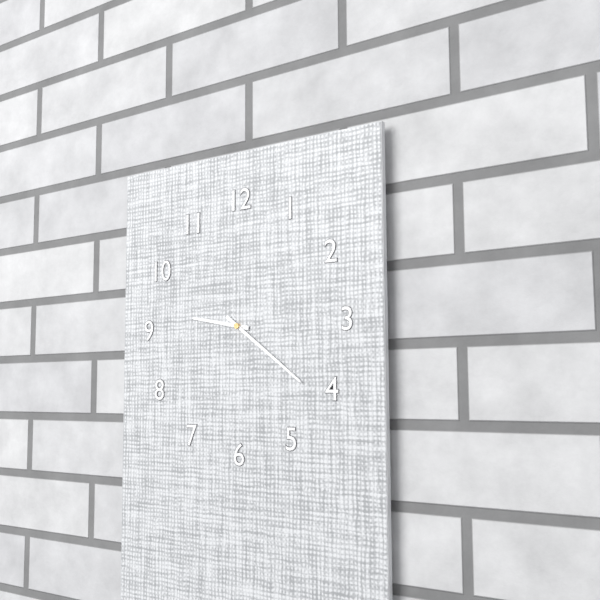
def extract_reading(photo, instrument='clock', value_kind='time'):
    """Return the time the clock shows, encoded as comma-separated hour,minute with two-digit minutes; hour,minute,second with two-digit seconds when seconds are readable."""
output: 9,21
